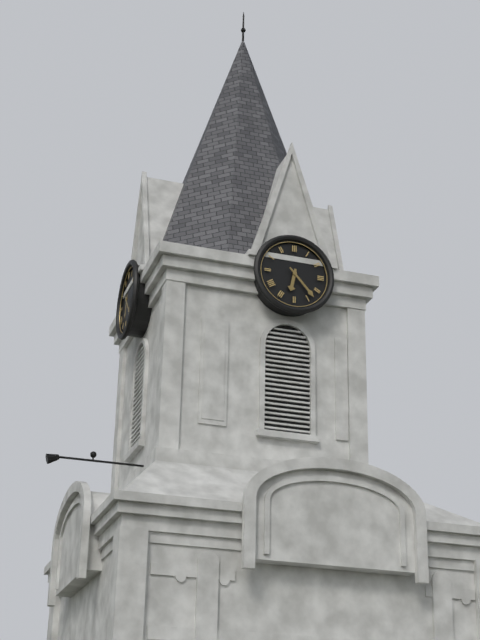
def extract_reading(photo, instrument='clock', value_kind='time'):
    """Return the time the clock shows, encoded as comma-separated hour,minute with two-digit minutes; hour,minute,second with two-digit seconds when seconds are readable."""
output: 6,23
